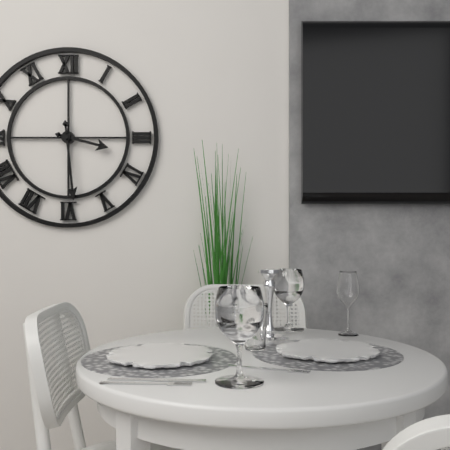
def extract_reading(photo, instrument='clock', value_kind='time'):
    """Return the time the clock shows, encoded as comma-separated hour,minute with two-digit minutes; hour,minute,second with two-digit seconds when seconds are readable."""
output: 3,29
